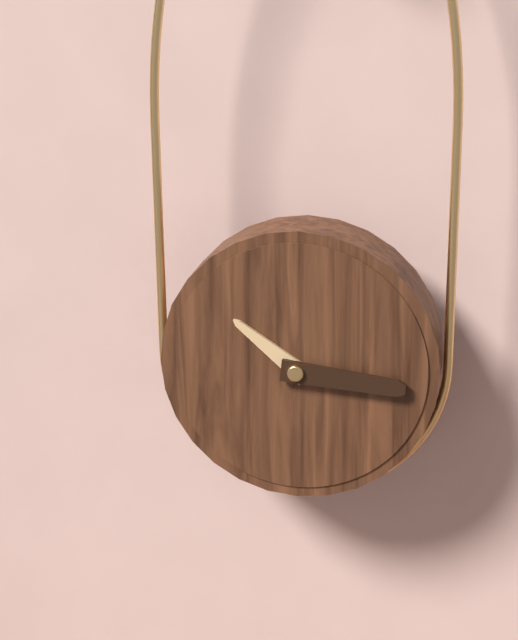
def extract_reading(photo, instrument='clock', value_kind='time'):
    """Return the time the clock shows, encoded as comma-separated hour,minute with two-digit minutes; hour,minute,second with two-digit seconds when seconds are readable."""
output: 10,16
